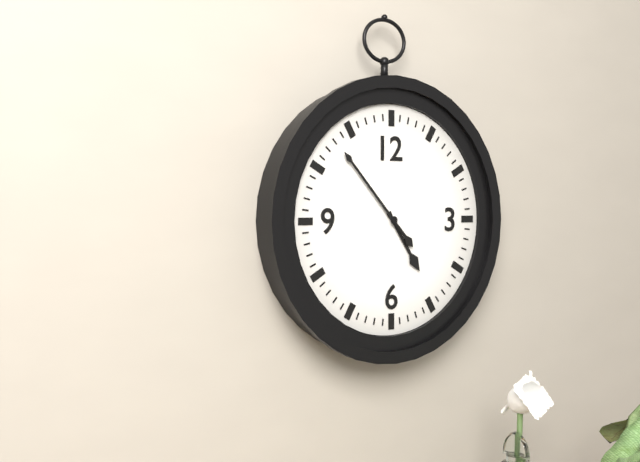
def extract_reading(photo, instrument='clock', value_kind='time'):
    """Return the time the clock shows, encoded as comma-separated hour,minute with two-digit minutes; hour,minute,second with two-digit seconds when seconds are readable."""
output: 4,53
